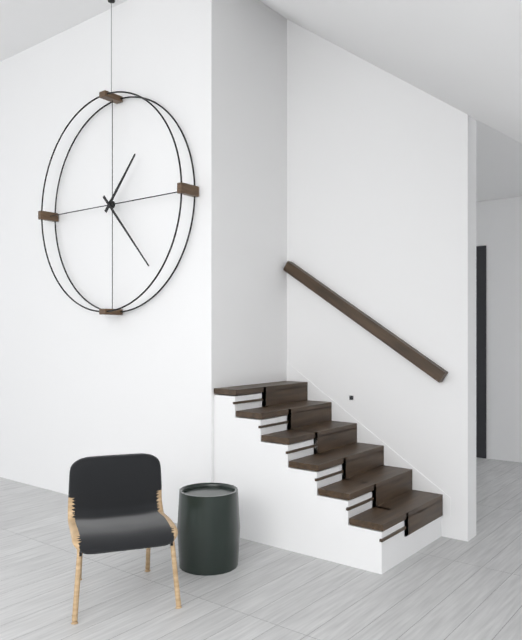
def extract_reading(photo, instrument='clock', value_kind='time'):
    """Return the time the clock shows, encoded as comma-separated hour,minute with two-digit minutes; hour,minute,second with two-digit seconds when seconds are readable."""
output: 1,23
